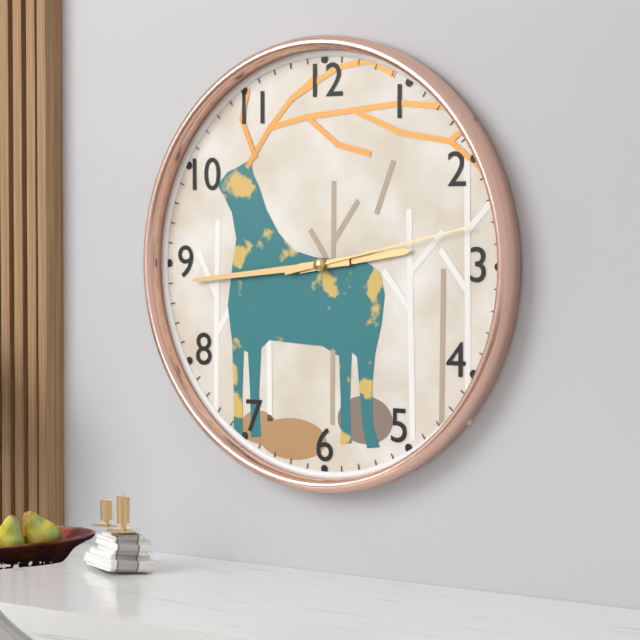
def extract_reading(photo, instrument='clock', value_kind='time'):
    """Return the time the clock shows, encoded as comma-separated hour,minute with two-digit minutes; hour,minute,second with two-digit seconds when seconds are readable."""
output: 2,44,13
